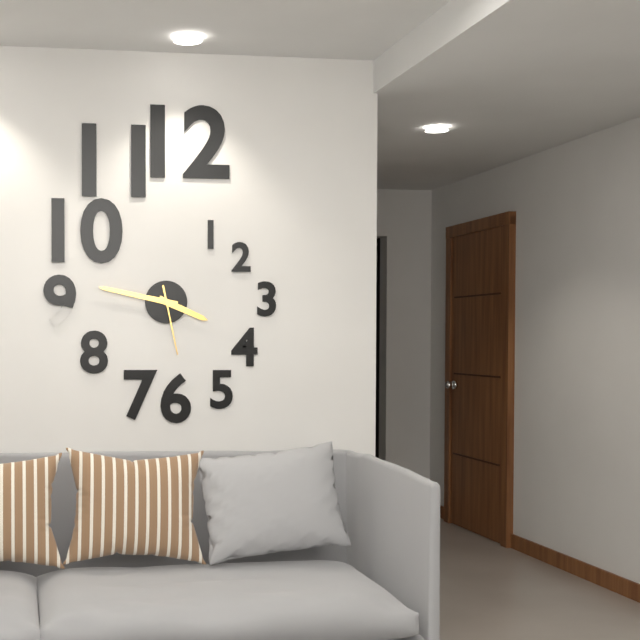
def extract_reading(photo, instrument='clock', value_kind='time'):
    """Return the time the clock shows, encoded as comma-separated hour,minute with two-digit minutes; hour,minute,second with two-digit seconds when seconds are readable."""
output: 3,47,28
